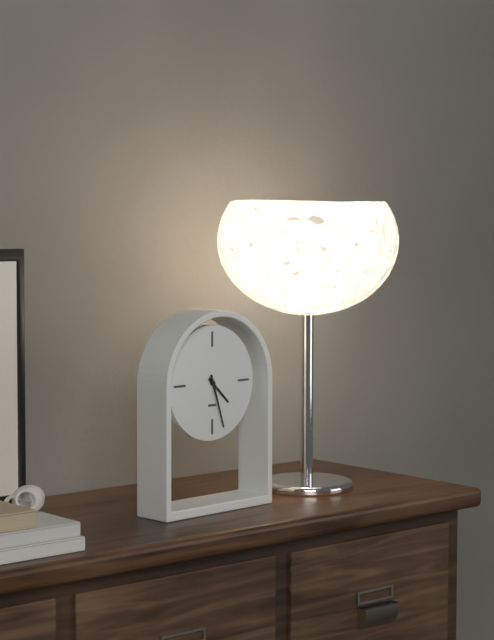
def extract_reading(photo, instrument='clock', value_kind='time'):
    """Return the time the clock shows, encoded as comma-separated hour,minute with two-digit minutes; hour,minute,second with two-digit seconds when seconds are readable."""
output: 4,27
